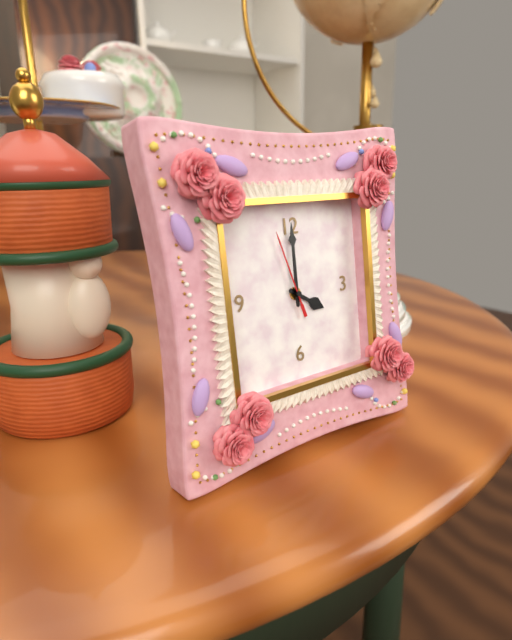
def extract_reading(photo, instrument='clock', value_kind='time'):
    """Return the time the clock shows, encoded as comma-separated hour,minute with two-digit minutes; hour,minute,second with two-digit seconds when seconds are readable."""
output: 4,00,57
